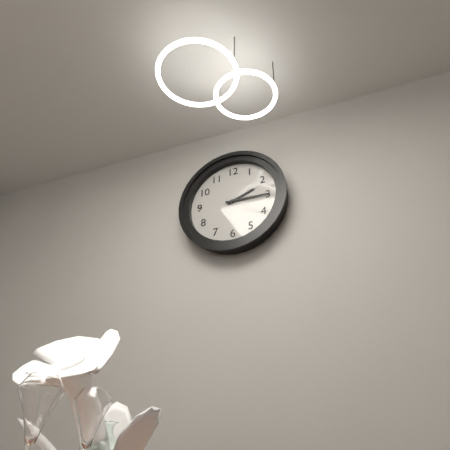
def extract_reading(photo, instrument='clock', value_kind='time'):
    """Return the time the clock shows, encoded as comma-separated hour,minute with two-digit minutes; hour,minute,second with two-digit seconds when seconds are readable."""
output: 2,15
